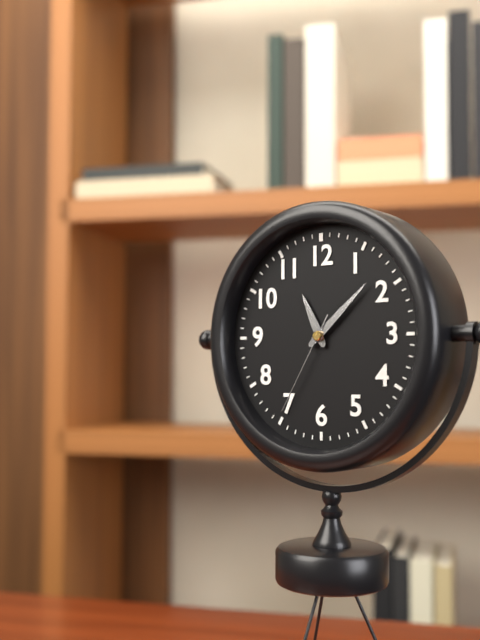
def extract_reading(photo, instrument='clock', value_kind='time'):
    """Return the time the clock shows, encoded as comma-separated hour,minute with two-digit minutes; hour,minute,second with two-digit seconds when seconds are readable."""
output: 11,08,35
